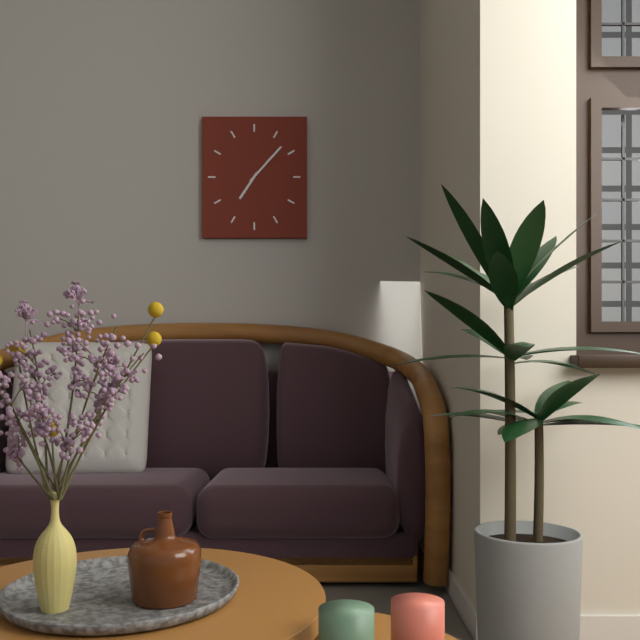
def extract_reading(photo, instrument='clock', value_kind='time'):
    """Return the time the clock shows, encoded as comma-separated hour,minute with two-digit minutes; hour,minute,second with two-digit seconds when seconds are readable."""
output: 7,07
